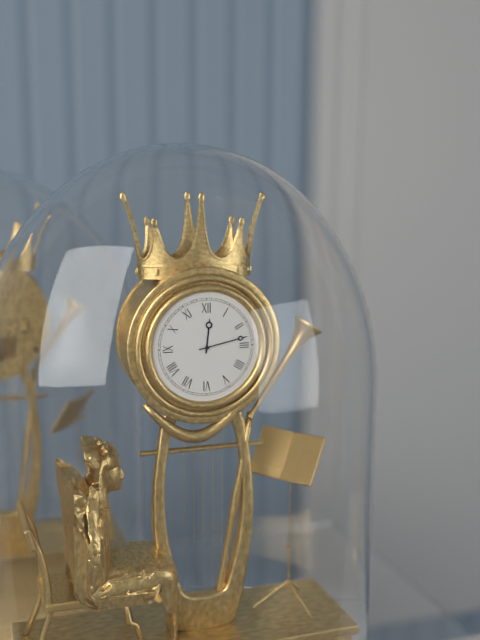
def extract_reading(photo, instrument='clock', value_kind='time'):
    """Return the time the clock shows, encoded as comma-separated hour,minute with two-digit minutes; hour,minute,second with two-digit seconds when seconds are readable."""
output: 12,13
